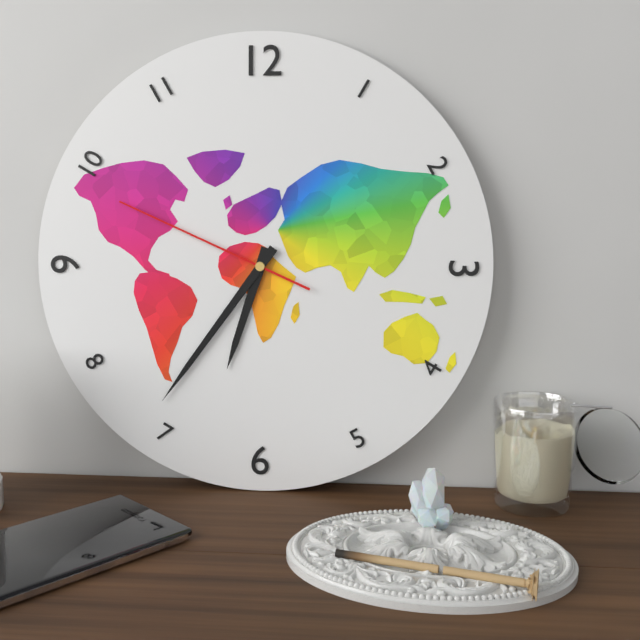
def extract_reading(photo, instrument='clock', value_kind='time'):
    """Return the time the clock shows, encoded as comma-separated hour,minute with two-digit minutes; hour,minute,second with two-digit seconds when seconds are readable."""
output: 6,36,49
